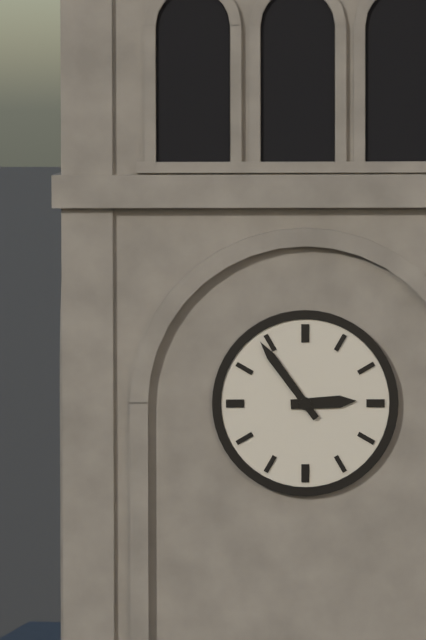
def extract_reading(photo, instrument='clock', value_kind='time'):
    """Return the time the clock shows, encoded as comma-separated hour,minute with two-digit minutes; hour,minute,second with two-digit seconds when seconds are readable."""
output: 2,54
